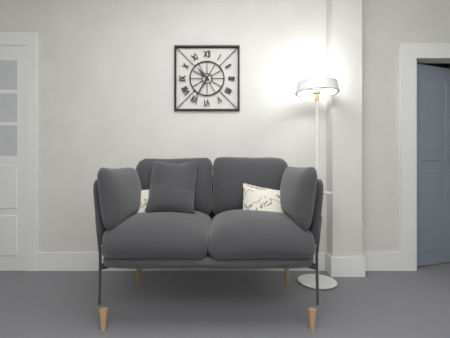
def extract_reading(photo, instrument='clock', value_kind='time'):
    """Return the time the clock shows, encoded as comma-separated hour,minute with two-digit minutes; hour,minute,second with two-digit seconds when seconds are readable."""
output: 10,35
